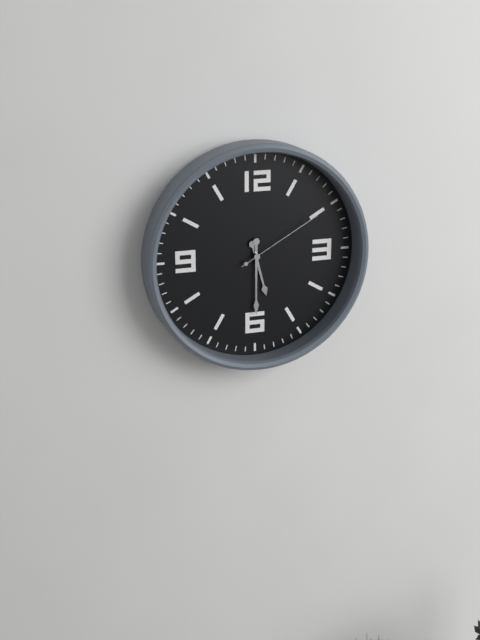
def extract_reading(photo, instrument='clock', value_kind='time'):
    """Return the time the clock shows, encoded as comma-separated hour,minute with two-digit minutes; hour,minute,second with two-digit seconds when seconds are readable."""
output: 5,30,10
